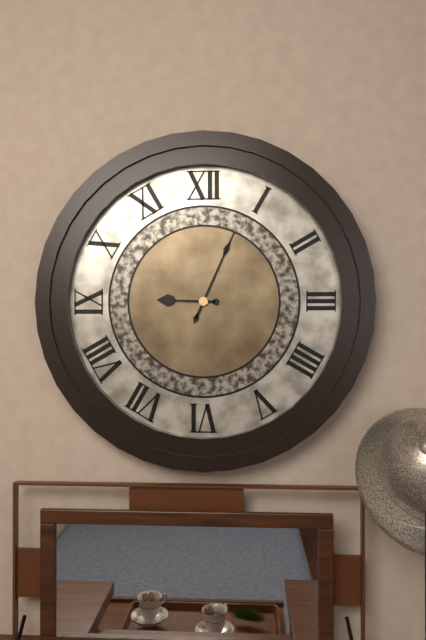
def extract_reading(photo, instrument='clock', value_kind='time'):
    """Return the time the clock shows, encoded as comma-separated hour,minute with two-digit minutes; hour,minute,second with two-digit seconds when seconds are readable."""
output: 9,04
